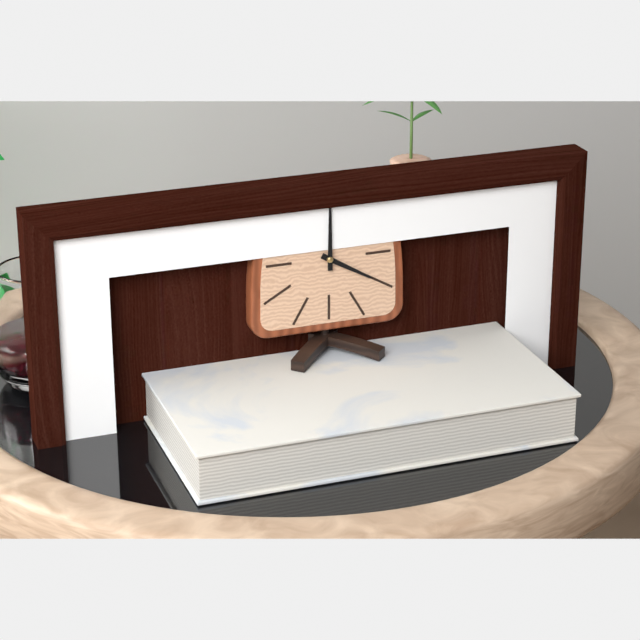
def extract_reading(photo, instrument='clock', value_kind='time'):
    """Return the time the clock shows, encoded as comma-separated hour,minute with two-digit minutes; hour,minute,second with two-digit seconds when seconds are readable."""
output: 4,00
